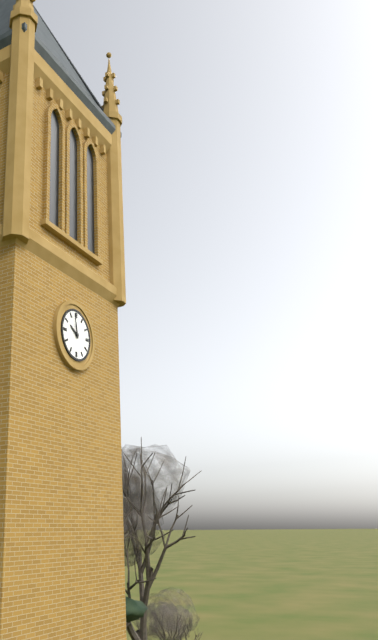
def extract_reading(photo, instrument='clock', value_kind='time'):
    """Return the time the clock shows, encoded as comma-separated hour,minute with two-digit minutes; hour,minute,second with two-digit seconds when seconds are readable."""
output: 9,58
